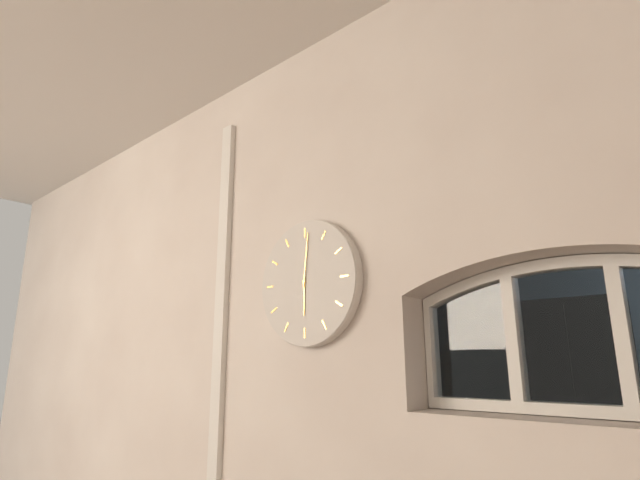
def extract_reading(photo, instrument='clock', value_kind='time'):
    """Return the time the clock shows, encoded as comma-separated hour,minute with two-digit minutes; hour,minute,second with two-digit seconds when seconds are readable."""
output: 6,01
